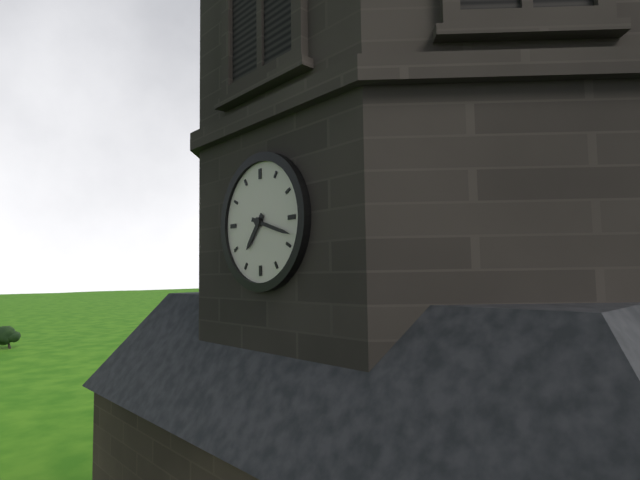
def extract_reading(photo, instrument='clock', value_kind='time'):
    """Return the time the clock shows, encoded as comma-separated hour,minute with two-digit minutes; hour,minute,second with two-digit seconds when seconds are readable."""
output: 7,18
